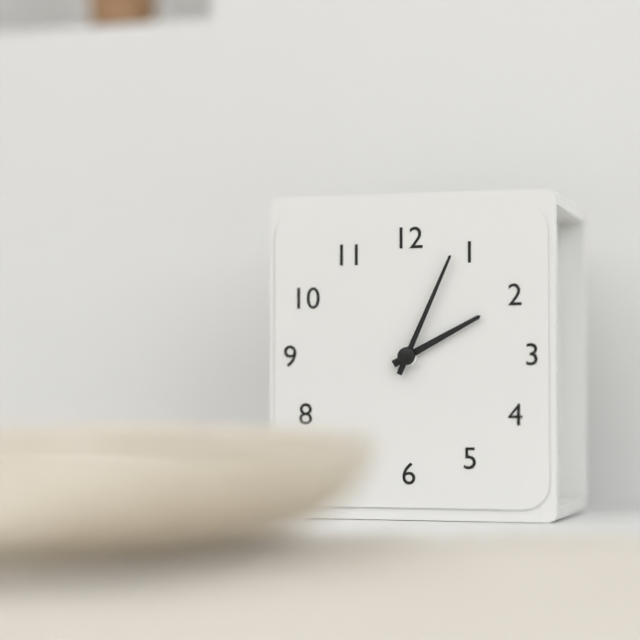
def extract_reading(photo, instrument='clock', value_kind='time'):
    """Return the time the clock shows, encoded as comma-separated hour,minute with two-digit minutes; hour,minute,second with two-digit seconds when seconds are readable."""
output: 2,04
